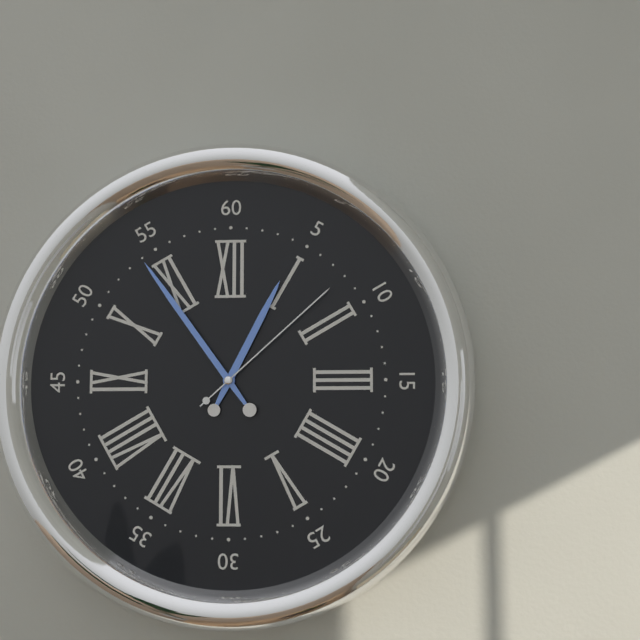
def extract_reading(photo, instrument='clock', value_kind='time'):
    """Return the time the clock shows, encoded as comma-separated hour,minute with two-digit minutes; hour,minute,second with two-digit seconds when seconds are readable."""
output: 12,54,08
